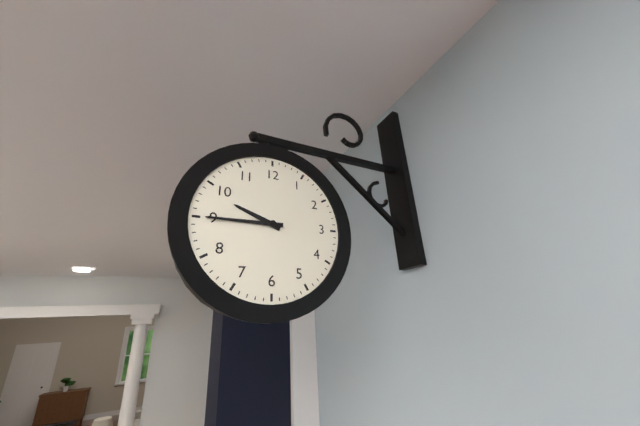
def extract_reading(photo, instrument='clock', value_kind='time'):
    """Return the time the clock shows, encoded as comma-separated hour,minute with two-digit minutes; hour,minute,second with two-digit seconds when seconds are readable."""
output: 9,45
